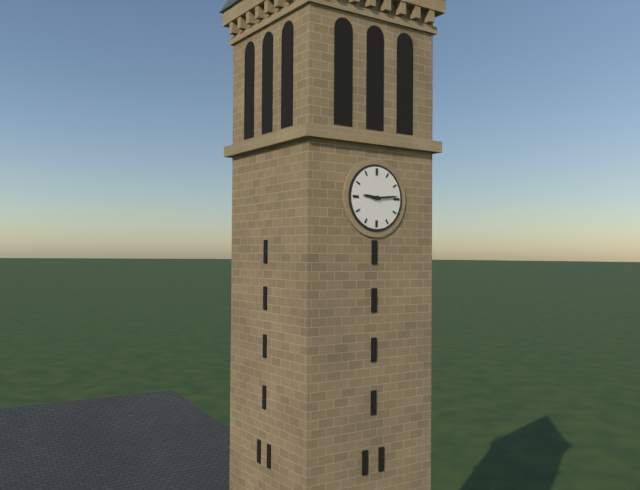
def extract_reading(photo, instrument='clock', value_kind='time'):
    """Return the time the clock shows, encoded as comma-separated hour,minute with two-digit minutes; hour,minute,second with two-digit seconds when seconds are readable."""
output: 9,14
